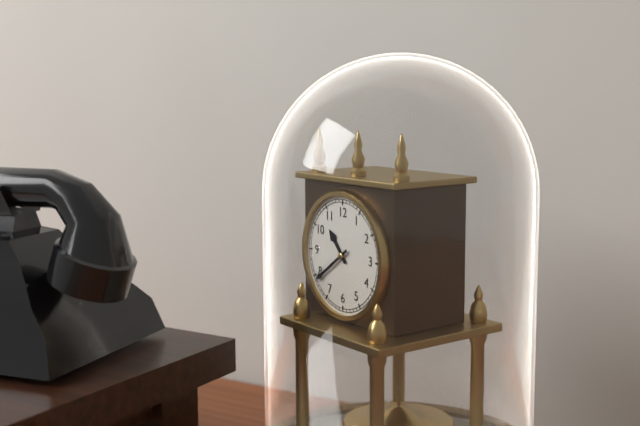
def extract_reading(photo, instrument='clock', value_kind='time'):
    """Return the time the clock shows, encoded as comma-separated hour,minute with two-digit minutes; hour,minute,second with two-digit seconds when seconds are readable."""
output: 10,39
